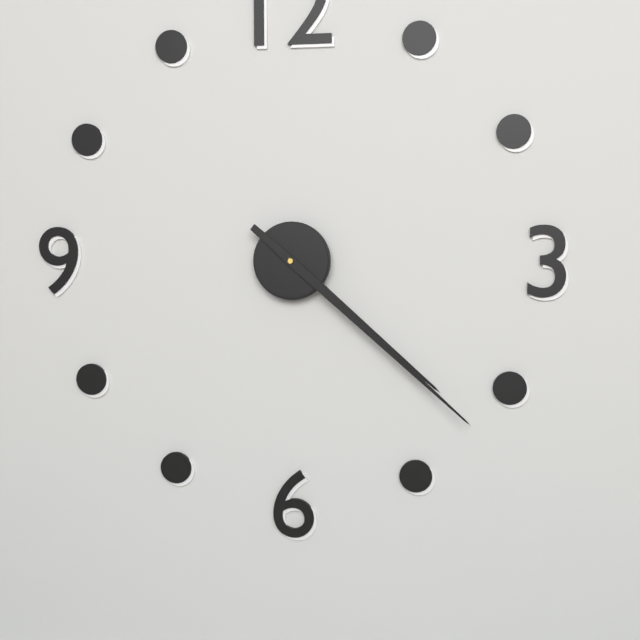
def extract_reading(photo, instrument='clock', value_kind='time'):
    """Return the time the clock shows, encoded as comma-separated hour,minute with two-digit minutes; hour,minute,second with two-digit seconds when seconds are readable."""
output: 4,22
